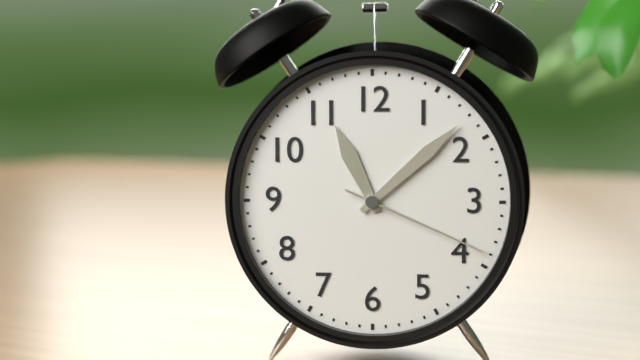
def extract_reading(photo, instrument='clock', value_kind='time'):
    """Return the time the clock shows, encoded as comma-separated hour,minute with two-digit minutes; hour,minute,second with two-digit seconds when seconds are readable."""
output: 11,08,19
